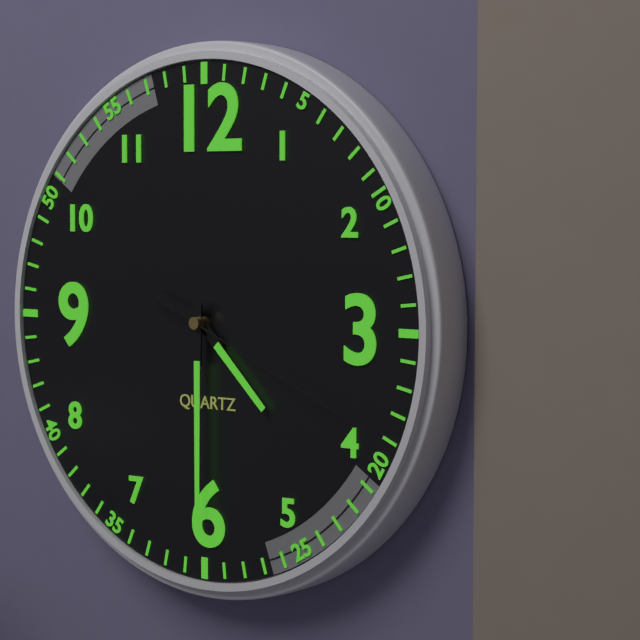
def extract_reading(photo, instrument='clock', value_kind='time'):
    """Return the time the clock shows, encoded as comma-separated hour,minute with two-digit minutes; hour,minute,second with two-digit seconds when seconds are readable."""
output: 4,30,19
